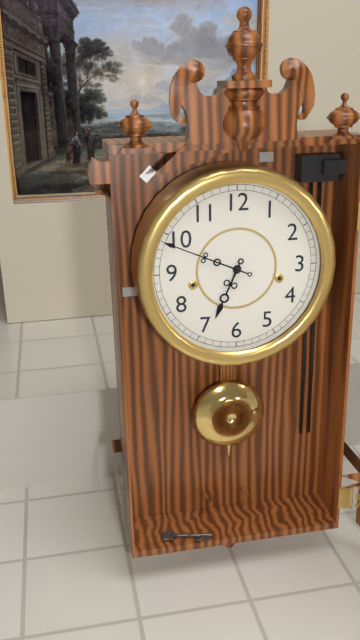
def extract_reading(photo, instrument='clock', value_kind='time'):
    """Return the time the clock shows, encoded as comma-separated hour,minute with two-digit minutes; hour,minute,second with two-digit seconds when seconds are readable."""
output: 6,49
